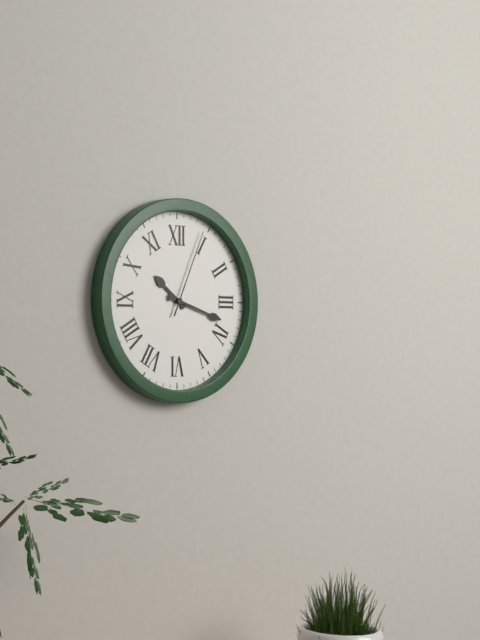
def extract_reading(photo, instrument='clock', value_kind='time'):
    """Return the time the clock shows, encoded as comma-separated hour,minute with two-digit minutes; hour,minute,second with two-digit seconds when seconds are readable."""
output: 10,18,04
